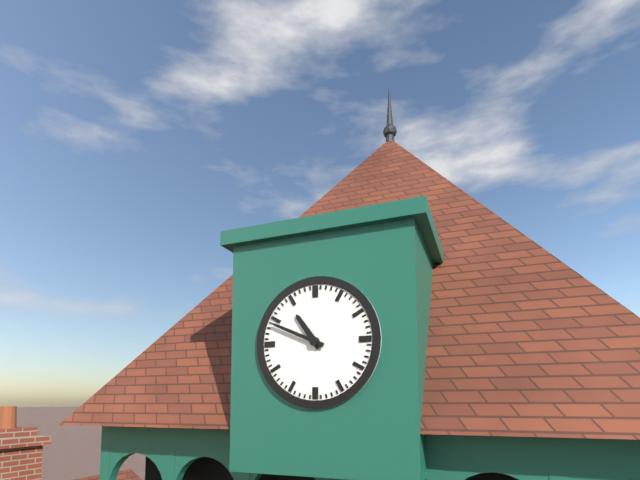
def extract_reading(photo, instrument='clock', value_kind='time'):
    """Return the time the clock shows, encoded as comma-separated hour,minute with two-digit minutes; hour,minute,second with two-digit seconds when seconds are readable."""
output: 10,49
